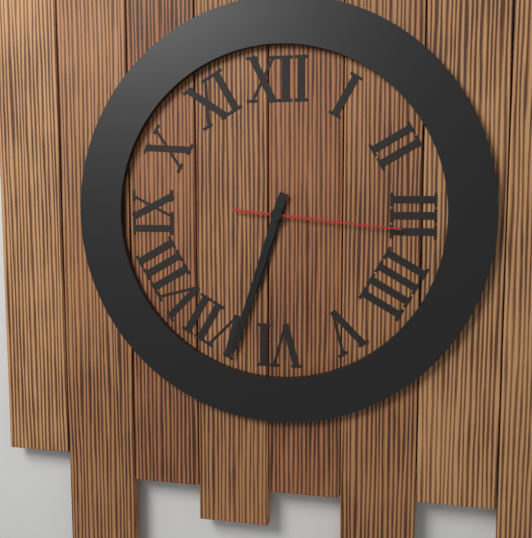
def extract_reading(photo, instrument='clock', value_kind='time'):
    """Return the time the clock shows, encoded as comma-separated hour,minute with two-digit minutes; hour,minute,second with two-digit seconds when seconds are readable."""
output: 6,33,16
